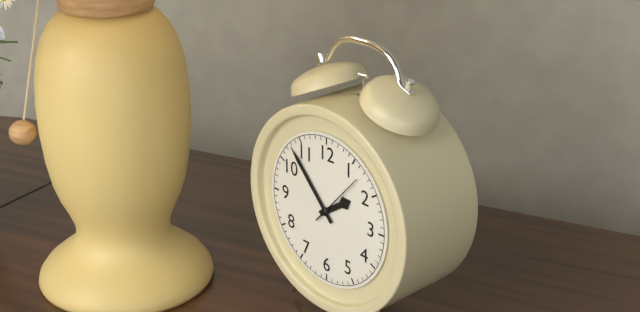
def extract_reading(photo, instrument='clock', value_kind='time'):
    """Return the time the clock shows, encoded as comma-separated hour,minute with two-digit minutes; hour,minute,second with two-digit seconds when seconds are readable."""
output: 1,53,07
